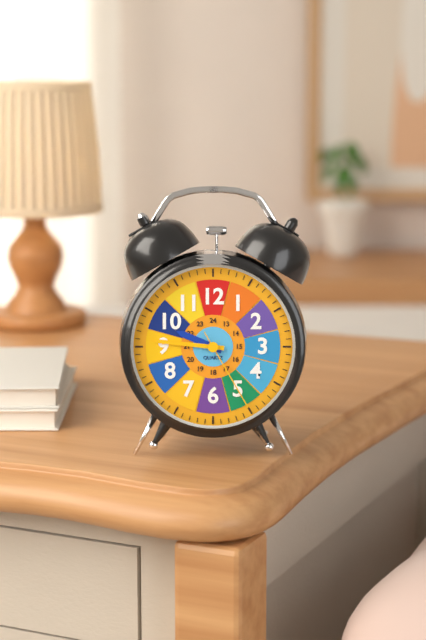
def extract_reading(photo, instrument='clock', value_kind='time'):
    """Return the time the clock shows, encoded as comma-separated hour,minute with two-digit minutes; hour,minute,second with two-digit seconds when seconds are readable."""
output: 9,46,25
